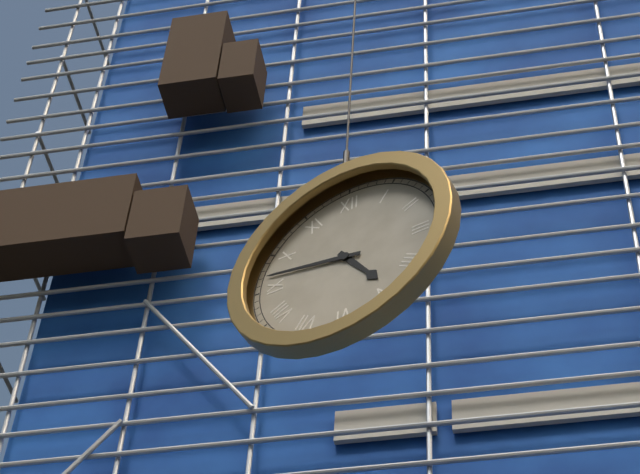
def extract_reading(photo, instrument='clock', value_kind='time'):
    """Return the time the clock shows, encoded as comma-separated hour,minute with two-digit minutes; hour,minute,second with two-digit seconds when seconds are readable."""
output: 4,47
